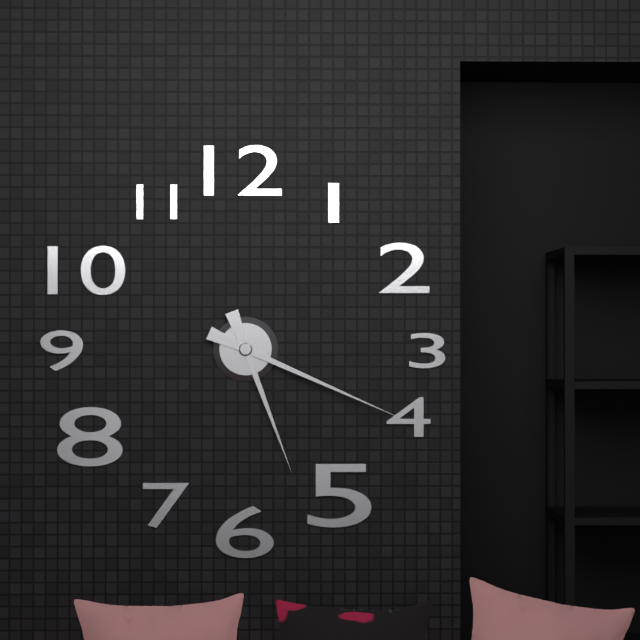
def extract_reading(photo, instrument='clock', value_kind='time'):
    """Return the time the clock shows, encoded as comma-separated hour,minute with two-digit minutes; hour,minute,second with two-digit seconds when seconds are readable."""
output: 5,19
